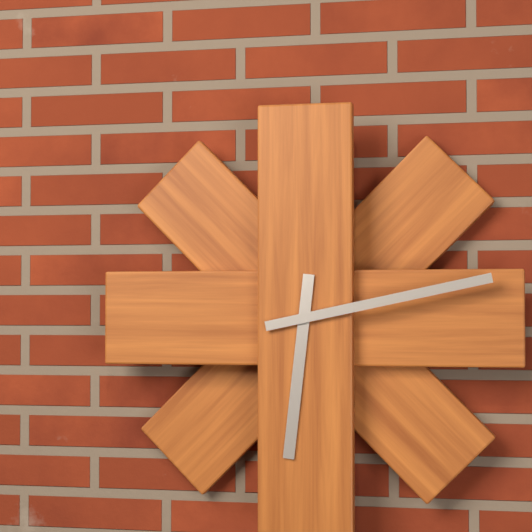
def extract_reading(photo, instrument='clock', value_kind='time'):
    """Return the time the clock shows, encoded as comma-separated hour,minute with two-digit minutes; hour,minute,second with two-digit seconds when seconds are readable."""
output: 6,13
